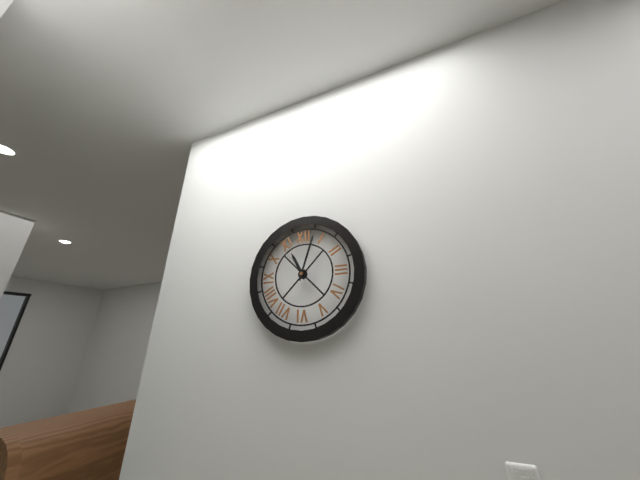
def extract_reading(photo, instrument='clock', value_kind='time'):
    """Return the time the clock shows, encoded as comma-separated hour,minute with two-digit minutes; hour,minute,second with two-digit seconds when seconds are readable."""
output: 11,03
